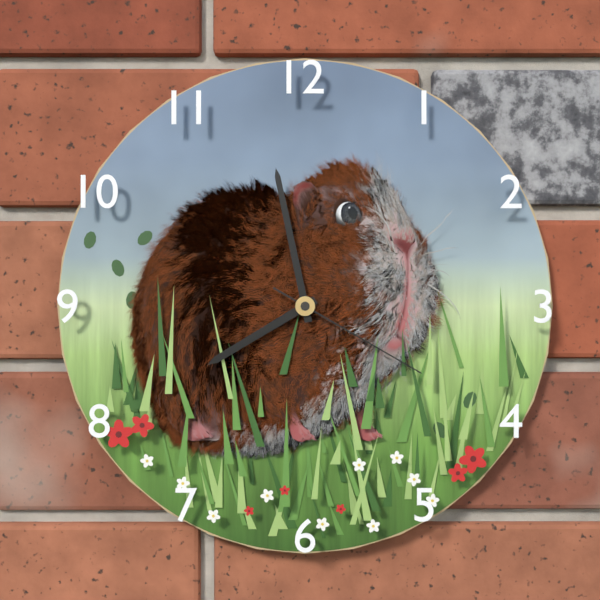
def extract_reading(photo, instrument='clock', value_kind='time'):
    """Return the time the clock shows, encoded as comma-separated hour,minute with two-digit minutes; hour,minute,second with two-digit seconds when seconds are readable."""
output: 7,58,20
